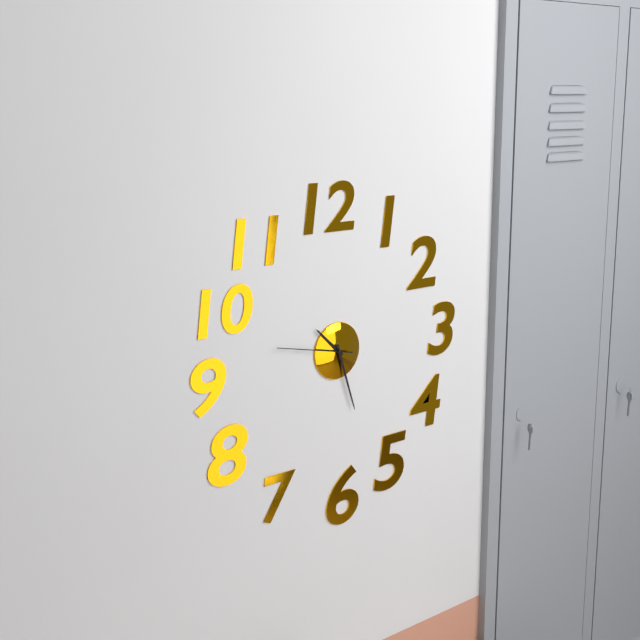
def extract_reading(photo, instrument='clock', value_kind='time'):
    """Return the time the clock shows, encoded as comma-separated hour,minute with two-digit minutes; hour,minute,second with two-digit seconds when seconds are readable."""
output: 10,27,47
